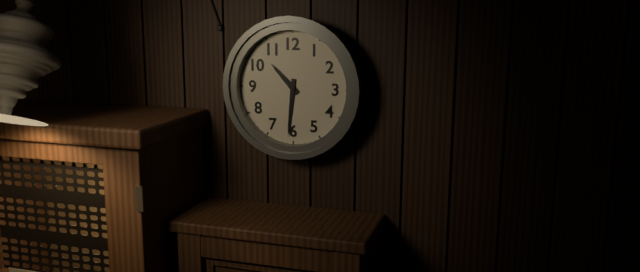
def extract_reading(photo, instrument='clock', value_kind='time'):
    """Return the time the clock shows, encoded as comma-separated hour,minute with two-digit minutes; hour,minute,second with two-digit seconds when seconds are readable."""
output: 10,31
